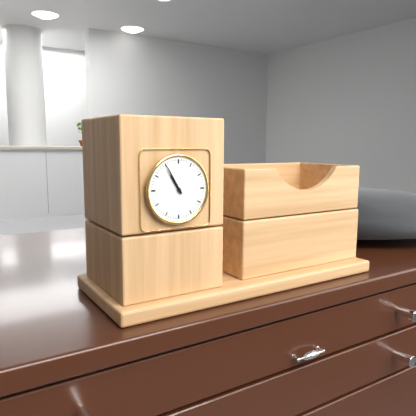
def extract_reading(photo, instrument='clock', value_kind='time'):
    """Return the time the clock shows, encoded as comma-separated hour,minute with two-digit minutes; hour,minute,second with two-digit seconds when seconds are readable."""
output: 10,55
